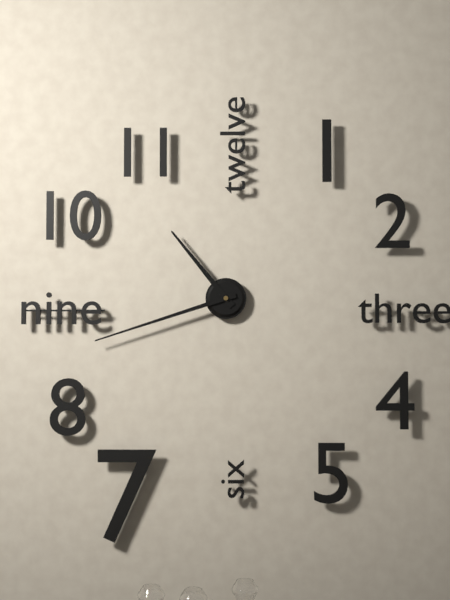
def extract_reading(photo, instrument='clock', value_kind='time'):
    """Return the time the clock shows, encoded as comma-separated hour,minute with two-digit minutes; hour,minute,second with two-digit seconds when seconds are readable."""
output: 10,42
